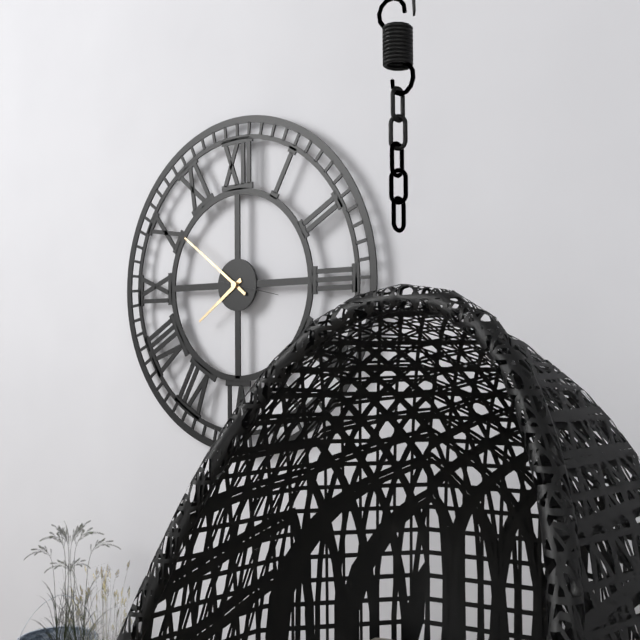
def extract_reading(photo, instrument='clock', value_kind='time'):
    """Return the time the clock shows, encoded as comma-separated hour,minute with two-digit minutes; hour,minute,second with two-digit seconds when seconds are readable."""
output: 7,51,17
